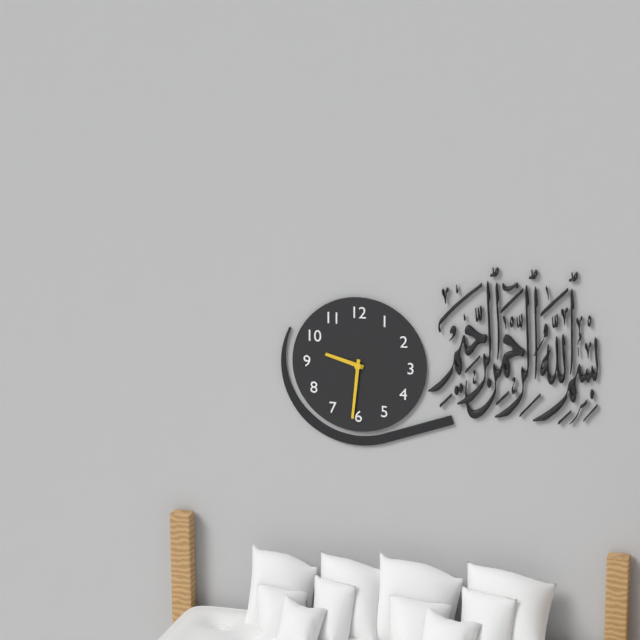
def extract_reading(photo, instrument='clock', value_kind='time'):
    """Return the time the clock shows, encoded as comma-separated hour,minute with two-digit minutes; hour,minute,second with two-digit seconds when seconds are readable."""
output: 9,31
